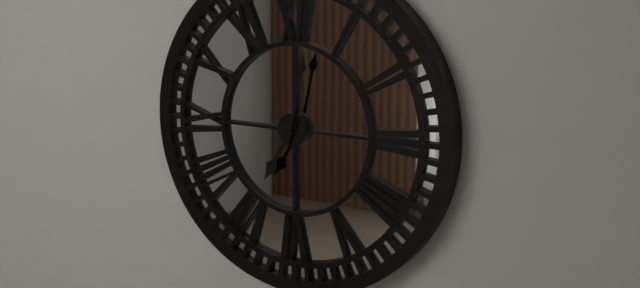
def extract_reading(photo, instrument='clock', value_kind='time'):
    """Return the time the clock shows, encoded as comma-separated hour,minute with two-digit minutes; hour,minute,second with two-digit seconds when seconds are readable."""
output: 7,02
